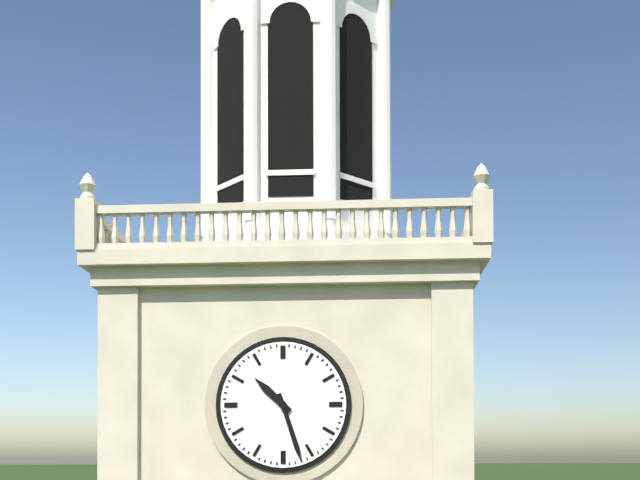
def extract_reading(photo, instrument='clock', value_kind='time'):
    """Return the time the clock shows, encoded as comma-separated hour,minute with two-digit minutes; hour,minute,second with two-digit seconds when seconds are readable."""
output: 10,27
